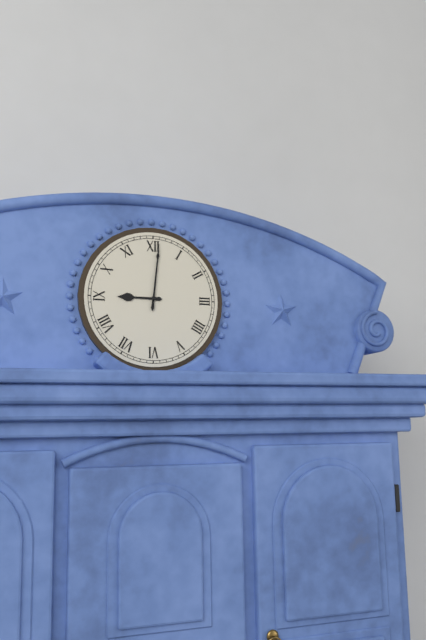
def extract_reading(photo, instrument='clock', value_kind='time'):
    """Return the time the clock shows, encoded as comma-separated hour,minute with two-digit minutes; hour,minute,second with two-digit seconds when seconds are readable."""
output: 9,01
